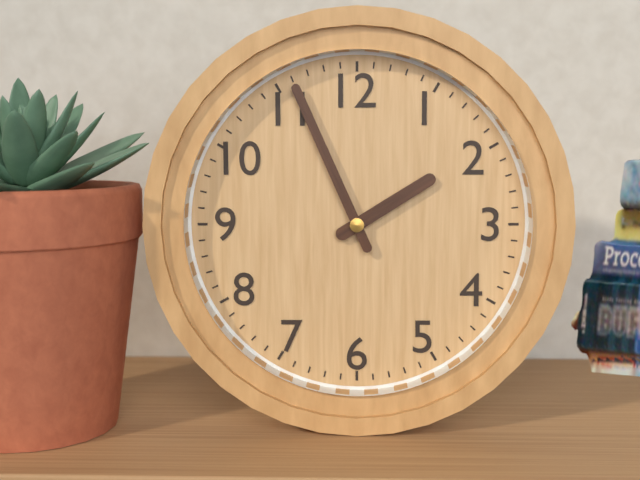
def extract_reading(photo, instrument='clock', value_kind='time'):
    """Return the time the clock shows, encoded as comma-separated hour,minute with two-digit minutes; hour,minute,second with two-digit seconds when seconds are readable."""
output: 1,56
